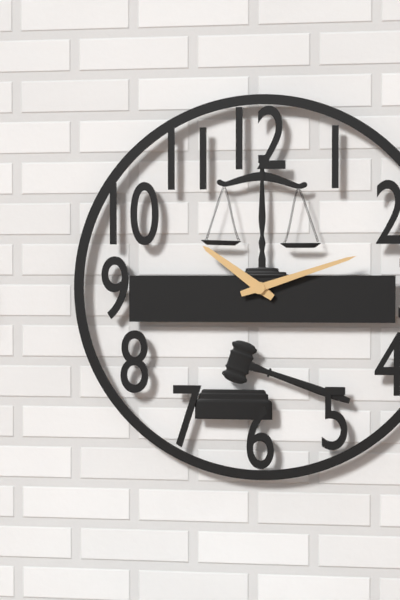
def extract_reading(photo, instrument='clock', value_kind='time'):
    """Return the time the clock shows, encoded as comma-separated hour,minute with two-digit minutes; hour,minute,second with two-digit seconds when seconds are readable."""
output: 10,12
